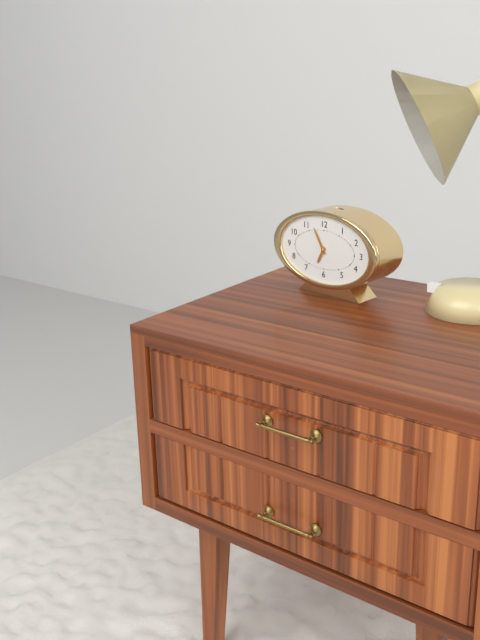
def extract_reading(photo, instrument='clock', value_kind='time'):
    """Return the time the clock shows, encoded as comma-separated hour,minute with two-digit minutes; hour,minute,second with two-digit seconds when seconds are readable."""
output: 6,55
